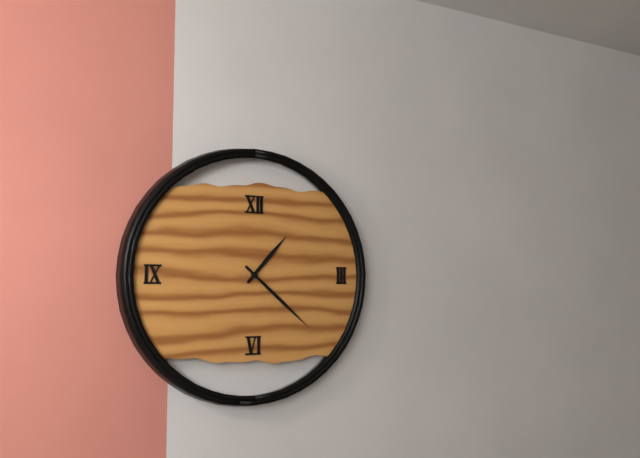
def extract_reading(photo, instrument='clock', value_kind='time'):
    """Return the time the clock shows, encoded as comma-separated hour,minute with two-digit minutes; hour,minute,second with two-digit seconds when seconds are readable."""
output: 1,22
